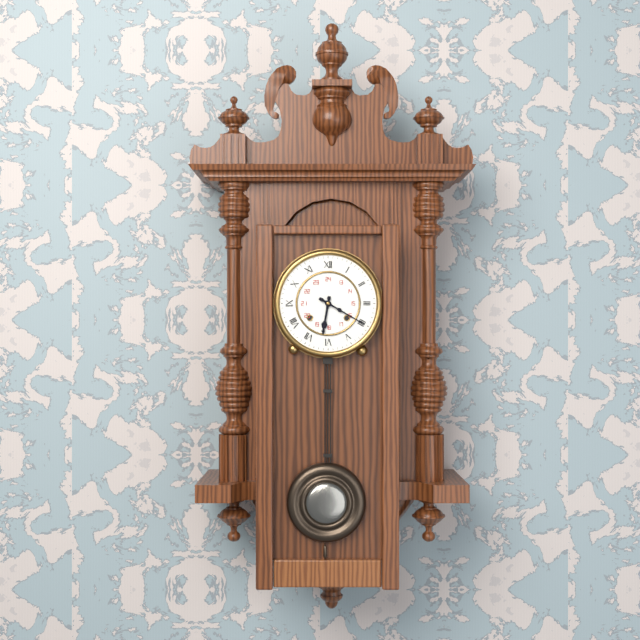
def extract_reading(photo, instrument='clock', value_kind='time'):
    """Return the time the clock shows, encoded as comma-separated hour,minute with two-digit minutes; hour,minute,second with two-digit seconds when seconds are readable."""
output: 6,20
